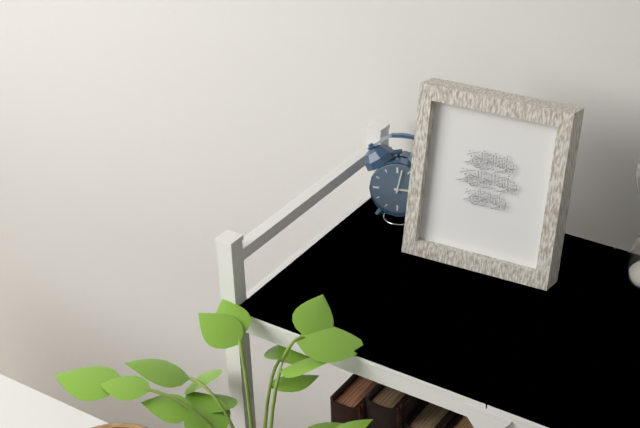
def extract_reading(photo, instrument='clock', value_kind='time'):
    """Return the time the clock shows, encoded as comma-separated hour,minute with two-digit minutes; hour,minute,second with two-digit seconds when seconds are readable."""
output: 3,02
